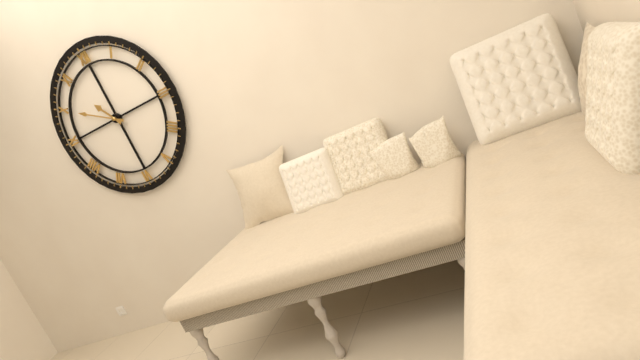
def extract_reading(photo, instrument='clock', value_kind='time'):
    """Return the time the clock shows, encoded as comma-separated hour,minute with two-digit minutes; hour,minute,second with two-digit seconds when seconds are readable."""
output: 10,50
